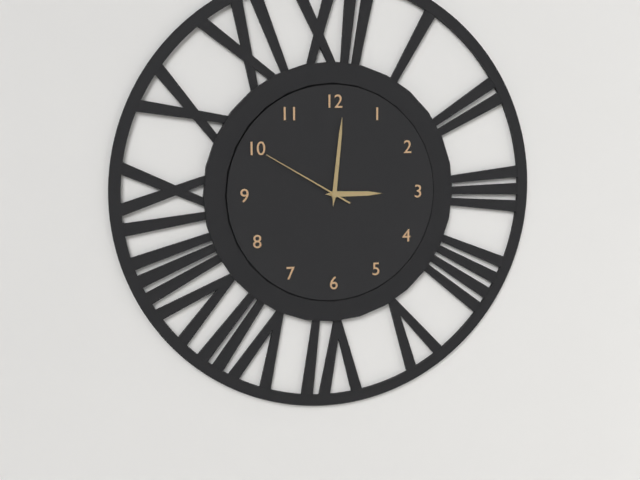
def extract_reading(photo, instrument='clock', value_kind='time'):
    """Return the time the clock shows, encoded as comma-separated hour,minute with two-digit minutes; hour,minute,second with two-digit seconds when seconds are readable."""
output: 3,01,50
